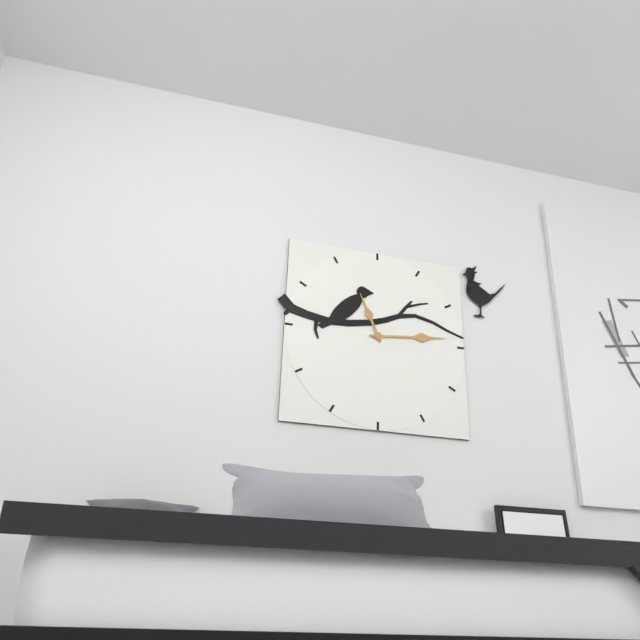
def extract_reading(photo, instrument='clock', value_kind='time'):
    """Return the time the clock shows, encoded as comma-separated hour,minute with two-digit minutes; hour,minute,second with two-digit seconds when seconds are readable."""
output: 11,14
